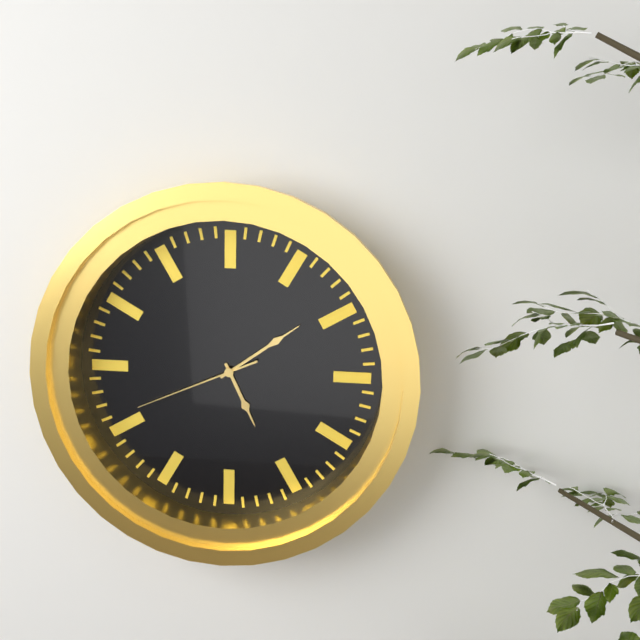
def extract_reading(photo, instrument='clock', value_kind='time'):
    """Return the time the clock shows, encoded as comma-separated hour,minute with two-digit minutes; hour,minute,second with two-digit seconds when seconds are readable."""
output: 5,09,41
